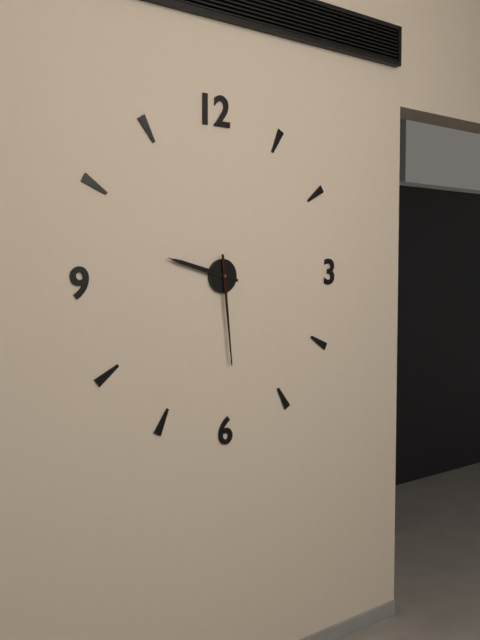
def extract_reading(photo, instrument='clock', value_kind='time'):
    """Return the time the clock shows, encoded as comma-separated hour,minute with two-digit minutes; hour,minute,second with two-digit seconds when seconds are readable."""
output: 9,29
